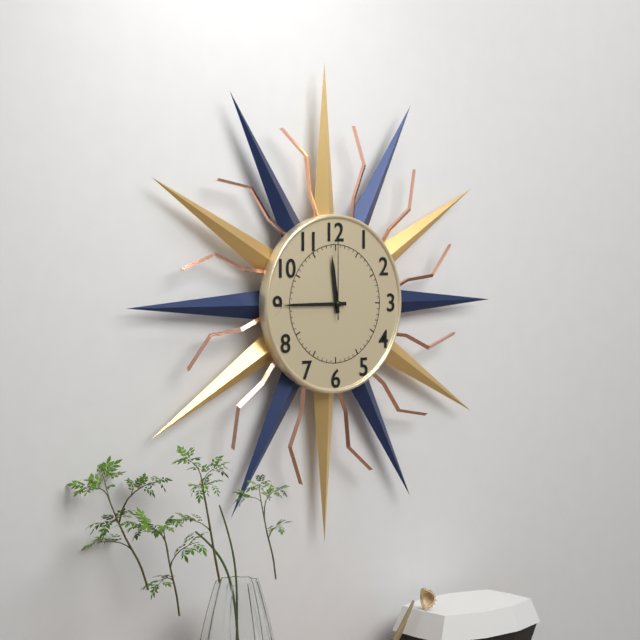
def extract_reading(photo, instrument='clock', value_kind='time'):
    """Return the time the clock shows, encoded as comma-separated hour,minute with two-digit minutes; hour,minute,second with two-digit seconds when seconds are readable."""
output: 11,45,00
